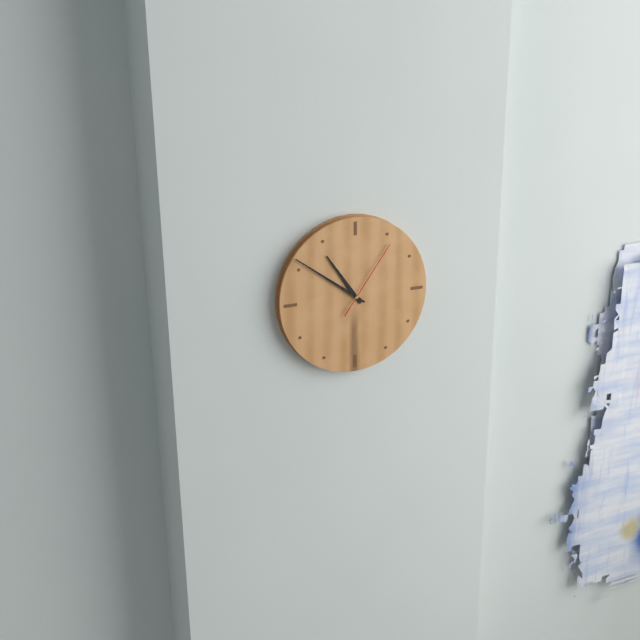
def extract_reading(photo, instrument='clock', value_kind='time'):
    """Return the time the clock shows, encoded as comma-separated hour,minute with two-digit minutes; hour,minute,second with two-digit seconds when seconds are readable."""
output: 10,51,06
